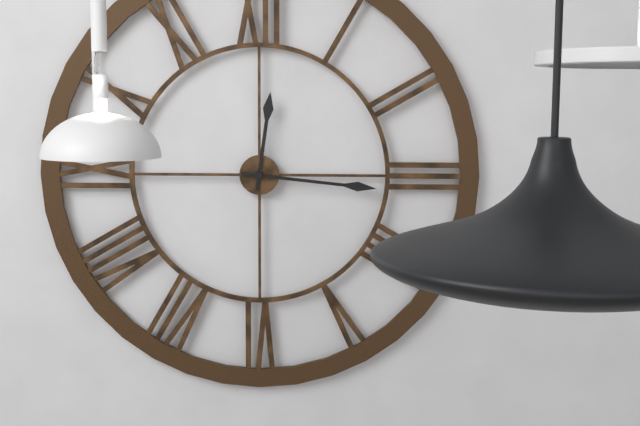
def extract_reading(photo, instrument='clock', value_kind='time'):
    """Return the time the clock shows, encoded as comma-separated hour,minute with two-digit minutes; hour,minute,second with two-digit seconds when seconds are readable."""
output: 12,16
